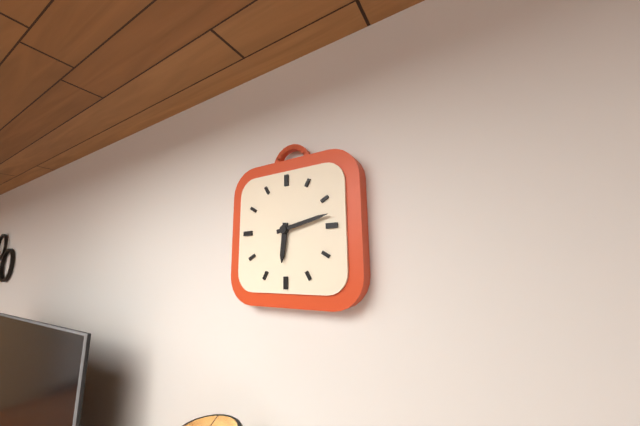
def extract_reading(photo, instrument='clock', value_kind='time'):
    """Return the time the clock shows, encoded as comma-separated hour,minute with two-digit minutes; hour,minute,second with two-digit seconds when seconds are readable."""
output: 6,13
